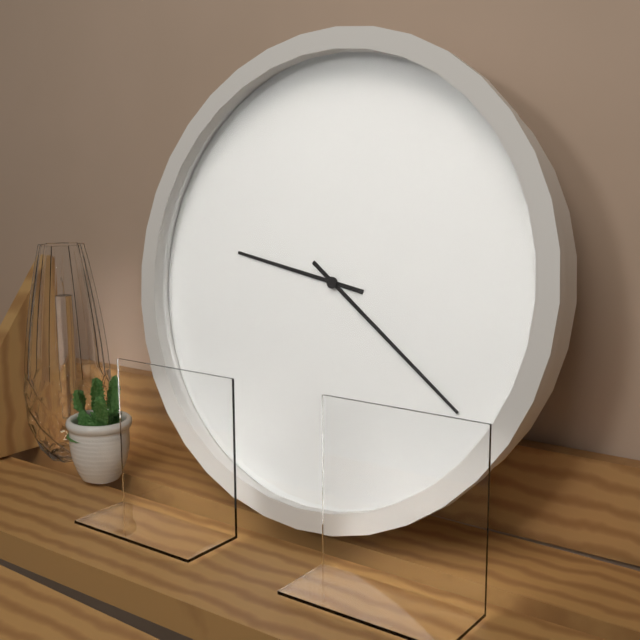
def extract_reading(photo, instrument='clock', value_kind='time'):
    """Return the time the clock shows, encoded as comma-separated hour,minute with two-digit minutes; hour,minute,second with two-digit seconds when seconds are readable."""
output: 9,21
